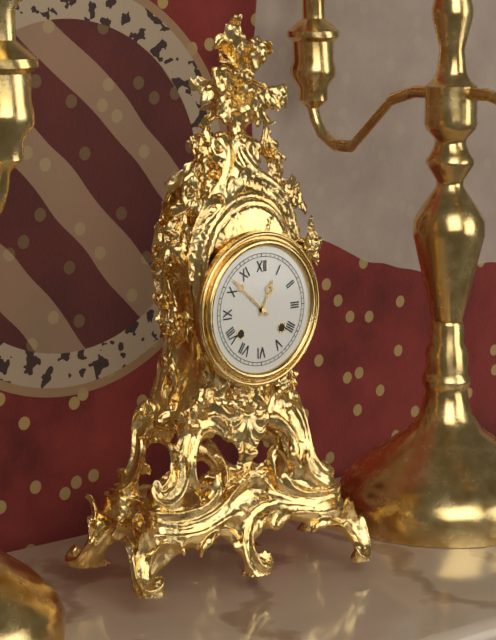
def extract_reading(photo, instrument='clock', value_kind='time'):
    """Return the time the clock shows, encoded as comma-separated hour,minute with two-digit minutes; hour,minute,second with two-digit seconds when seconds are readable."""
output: 12,52
